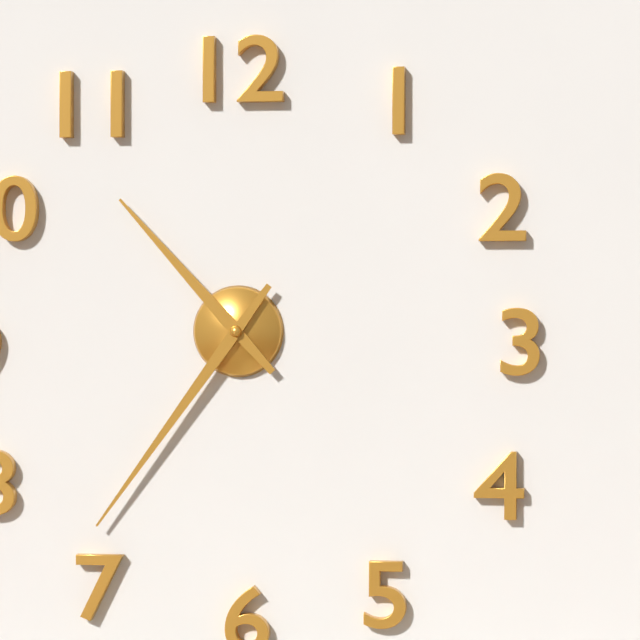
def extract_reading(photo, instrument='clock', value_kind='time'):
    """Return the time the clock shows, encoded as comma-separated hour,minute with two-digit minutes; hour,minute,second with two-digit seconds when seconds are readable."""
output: 10,36
